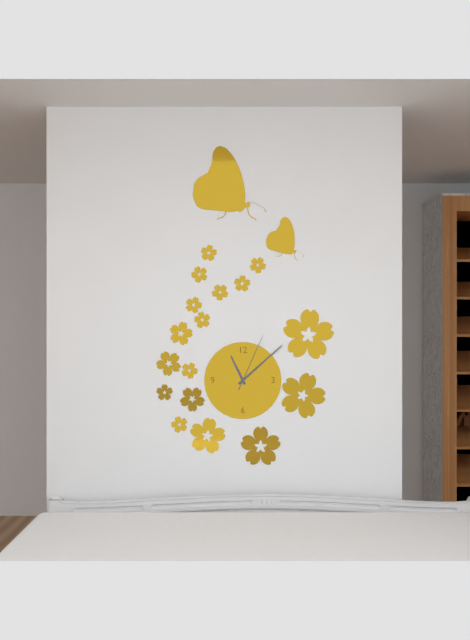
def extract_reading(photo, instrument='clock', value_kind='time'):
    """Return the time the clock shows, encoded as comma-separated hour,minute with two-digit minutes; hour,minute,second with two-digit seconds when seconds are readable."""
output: 11,08,04
